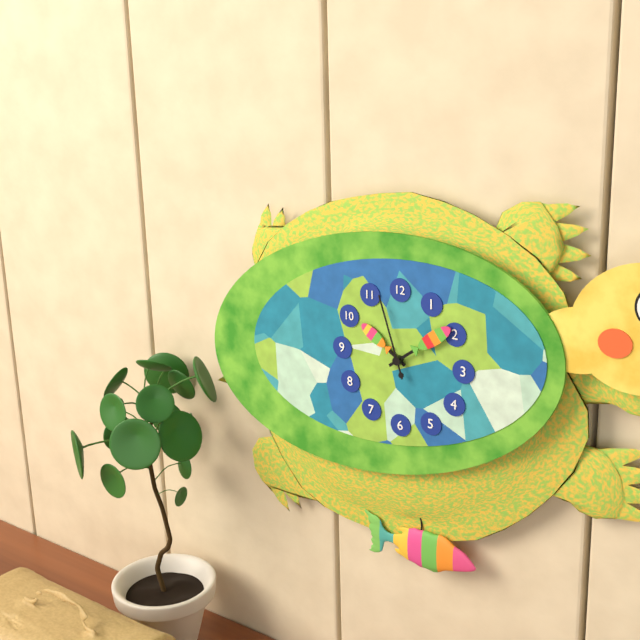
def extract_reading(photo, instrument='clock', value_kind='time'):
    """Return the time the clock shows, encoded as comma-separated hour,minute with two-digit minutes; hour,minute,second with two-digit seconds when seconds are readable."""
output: 10,09,57
